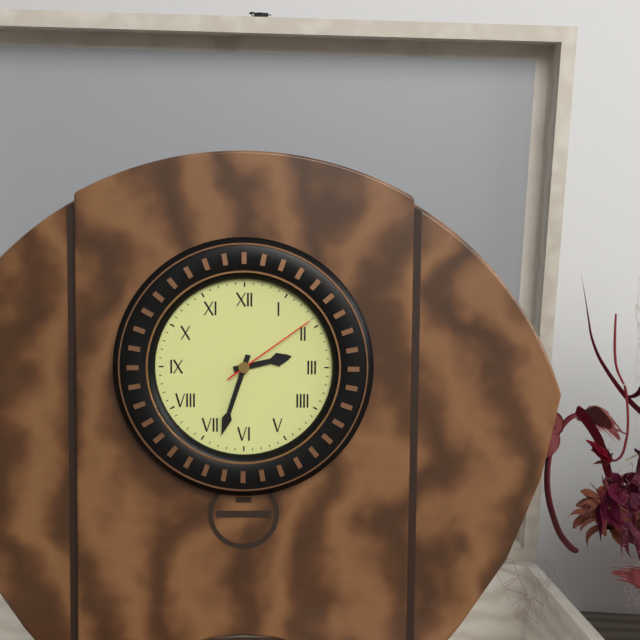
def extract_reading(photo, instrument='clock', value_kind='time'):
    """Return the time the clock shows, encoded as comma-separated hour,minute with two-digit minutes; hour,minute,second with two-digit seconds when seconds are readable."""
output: 2,33,09
